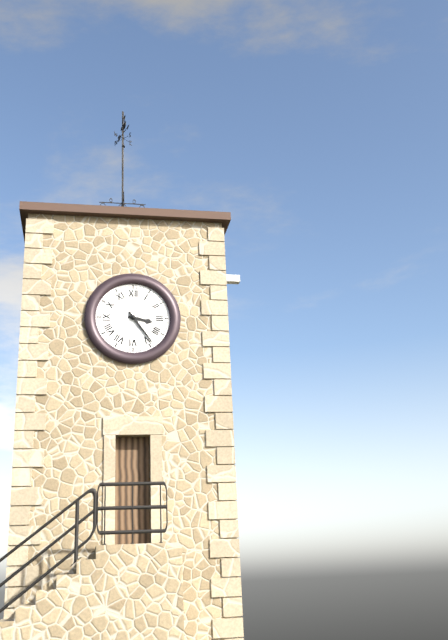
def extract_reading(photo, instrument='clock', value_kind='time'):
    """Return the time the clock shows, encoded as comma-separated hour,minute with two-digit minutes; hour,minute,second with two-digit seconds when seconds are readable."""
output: 3,24
